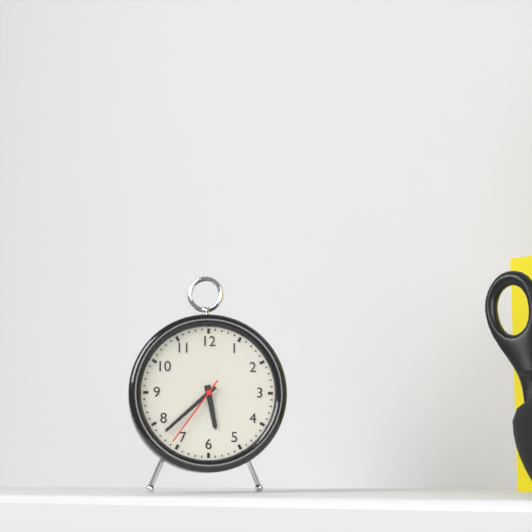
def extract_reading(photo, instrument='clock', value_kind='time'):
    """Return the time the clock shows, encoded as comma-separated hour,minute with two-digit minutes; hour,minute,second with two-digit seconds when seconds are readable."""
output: 5,38,36
